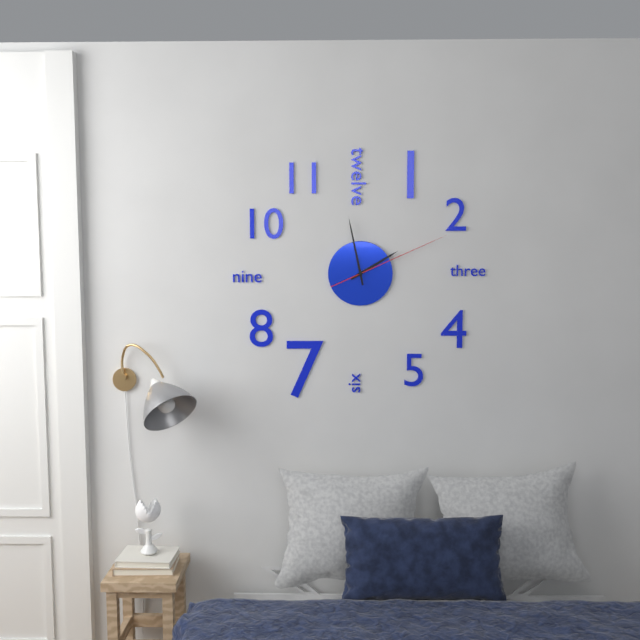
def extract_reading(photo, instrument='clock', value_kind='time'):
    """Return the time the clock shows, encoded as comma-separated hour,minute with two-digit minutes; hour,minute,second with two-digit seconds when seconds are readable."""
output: 1,58,11
